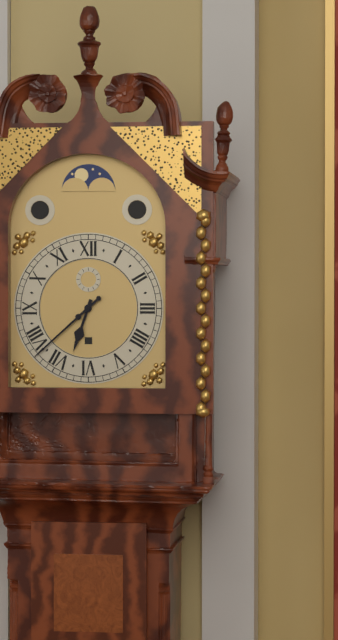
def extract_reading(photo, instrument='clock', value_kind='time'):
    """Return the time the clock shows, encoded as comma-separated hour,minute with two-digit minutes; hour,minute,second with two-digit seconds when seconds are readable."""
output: 6,38
